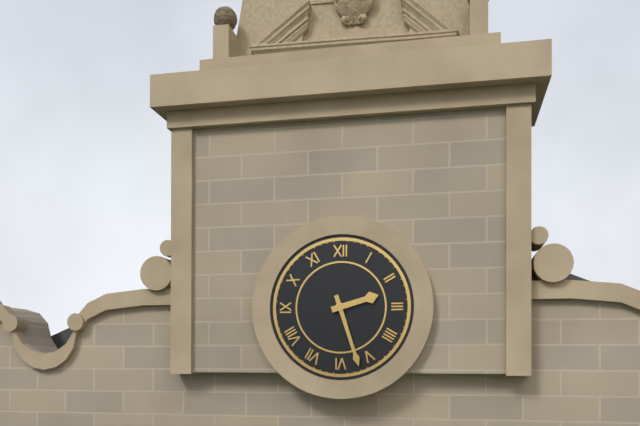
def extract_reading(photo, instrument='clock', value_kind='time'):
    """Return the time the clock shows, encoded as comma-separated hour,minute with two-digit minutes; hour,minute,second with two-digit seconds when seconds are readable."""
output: 2,27
